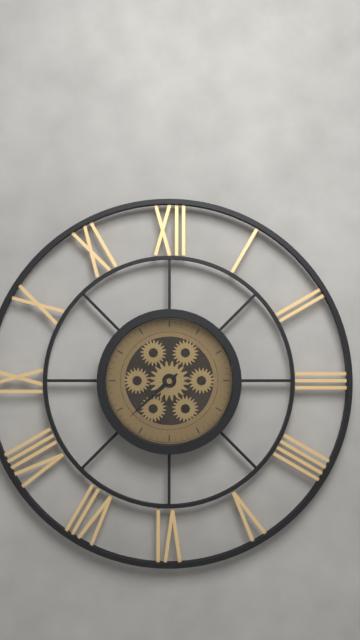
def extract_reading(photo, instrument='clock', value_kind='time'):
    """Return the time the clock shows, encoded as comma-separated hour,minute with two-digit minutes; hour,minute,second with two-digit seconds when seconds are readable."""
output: 7,38
